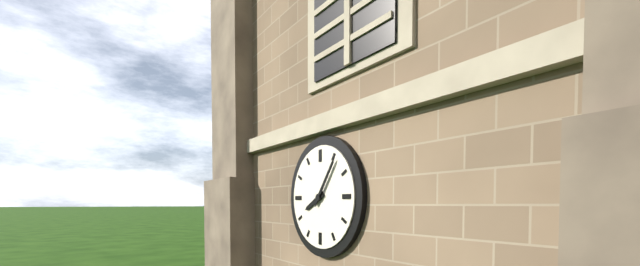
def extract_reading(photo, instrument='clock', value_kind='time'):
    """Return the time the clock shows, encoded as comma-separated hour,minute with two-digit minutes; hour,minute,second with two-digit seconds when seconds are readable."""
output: 8,06
